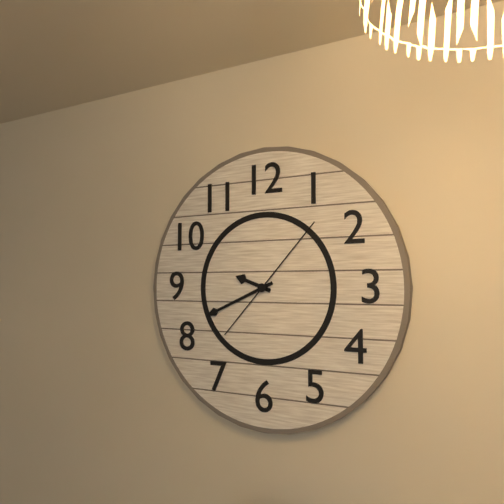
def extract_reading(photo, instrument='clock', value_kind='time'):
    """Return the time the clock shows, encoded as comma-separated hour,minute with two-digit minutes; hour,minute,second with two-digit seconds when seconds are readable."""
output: 9,41,07
